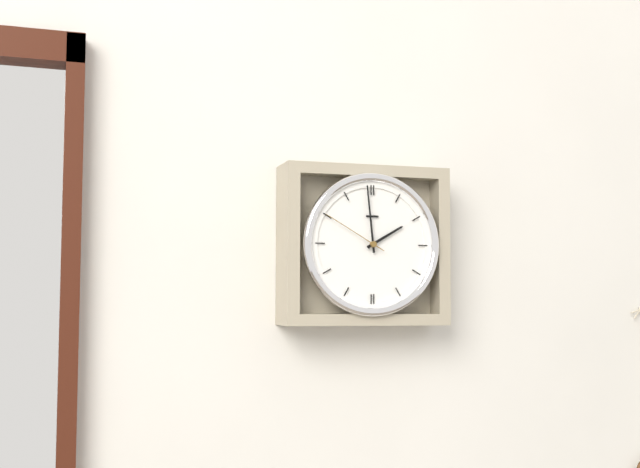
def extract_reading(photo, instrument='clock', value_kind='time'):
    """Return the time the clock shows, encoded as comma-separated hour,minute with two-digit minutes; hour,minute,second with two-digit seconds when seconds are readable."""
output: 1,59,50
